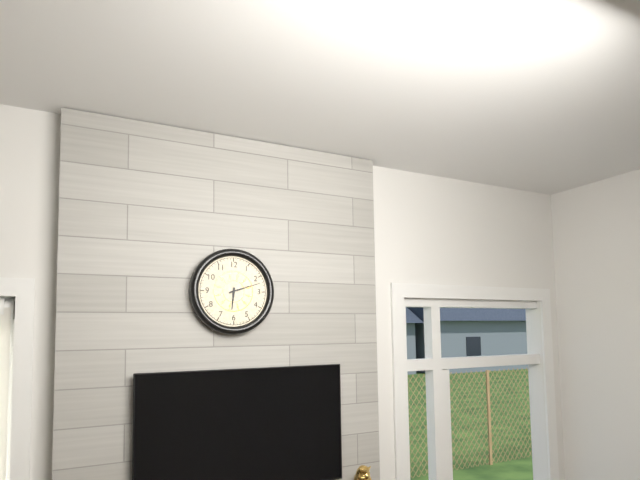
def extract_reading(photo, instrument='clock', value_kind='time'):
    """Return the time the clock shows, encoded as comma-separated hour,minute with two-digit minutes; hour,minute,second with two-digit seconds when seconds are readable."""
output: 6,12
